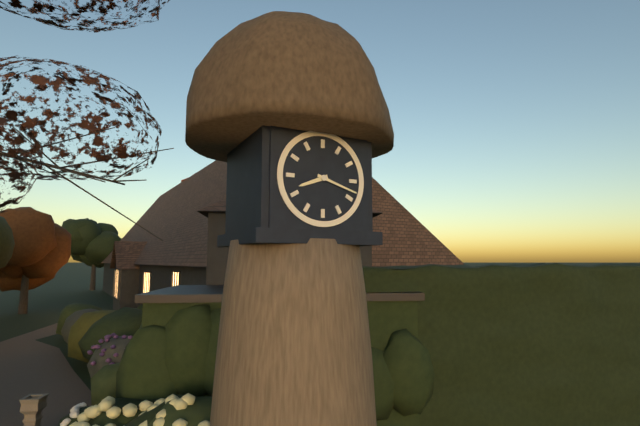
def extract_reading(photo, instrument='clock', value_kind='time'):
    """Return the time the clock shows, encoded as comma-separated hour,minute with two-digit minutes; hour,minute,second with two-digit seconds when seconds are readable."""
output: 8,18
